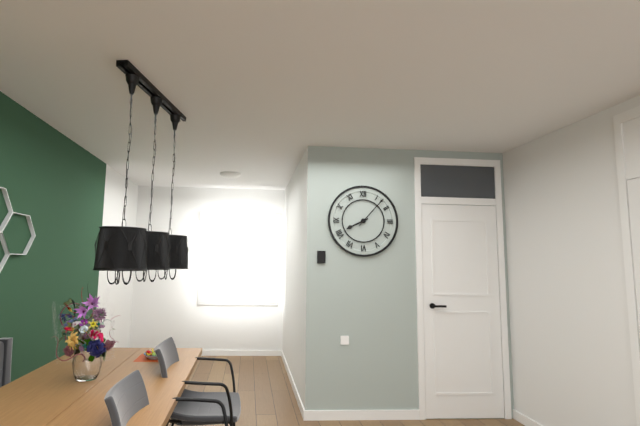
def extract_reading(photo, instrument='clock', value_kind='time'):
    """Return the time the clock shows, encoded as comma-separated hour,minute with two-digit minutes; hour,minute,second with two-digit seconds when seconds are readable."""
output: 8,07
